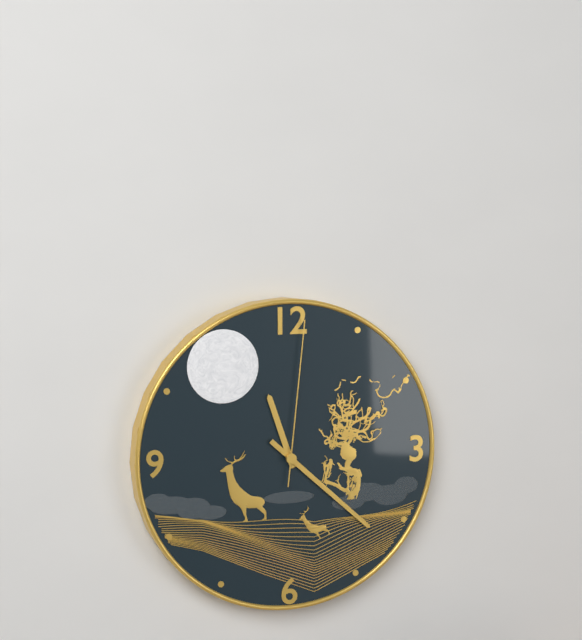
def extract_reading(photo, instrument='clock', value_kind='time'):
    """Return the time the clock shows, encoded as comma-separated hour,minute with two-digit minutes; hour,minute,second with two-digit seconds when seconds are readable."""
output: 11,22,01
